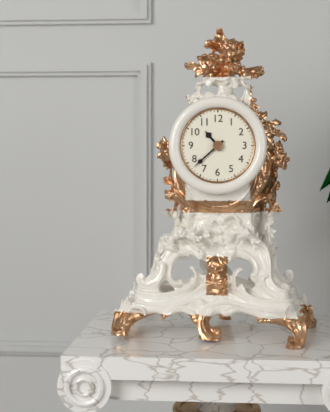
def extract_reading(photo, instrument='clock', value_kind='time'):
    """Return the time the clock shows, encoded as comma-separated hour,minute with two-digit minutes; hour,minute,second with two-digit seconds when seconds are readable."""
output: 10,38
